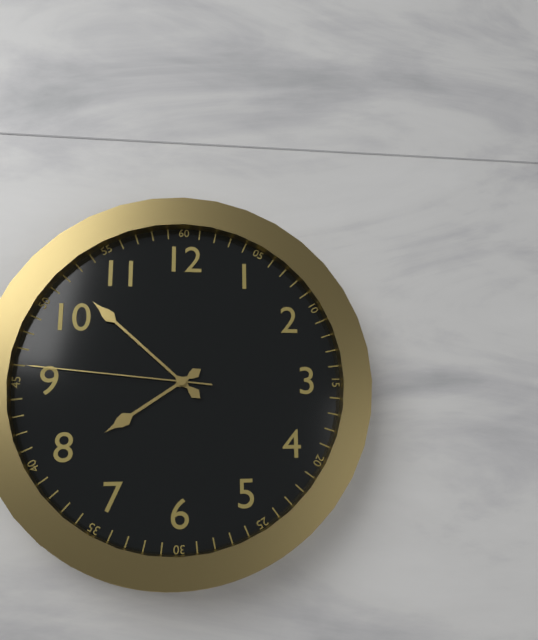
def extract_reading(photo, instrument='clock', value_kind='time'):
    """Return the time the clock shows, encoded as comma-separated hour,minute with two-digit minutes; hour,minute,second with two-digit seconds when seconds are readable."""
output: 7,52,46
